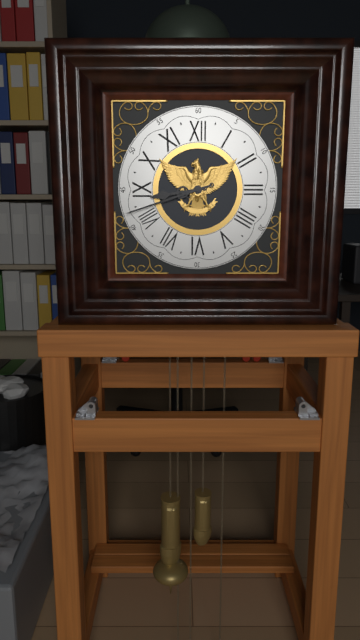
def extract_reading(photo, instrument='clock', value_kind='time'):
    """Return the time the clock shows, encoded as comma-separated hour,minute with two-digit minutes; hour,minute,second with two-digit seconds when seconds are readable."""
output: 8,42
